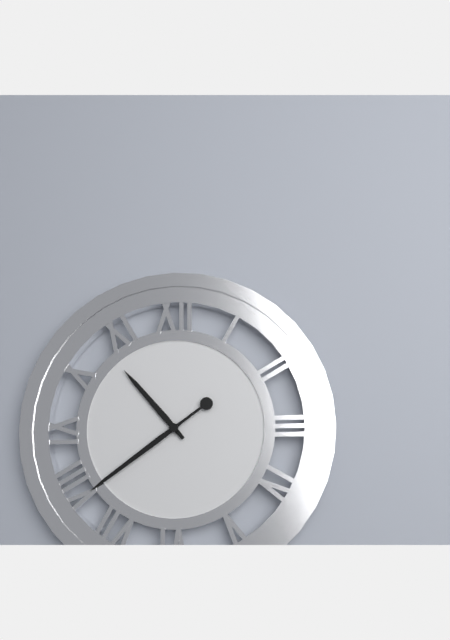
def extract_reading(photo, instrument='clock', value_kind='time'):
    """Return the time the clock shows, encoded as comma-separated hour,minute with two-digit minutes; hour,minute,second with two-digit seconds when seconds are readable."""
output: 10,39
